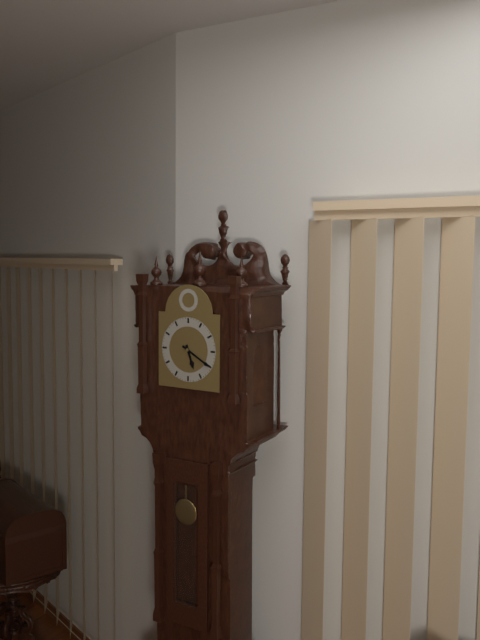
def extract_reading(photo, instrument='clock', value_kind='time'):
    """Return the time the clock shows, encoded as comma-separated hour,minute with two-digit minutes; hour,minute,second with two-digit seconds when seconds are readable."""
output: 5,20
